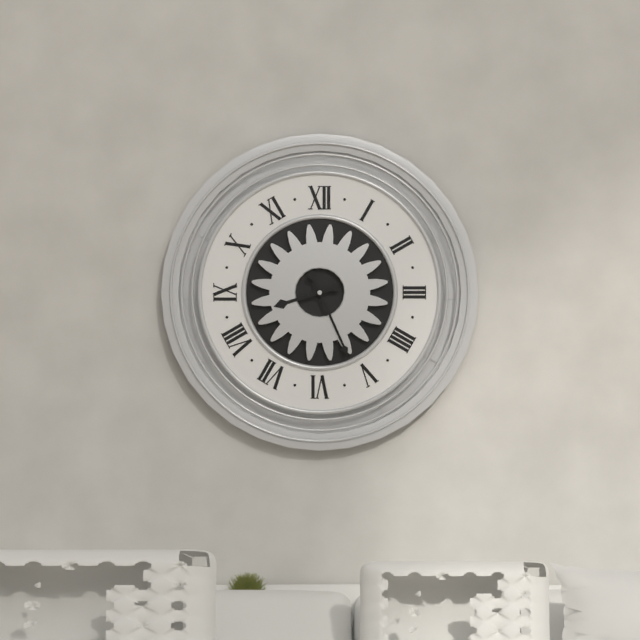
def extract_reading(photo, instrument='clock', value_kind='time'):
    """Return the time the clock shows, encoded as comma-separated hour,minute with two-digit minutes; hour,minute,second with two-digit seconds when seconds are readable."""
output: 8,26
